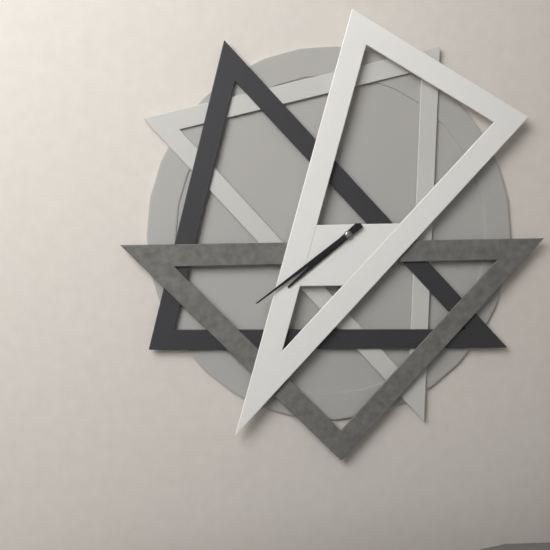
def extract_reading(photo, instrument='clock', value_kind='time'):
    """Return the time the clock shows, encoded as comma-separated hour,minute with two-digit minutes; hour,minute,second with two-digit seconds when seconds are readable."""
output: 7,39
